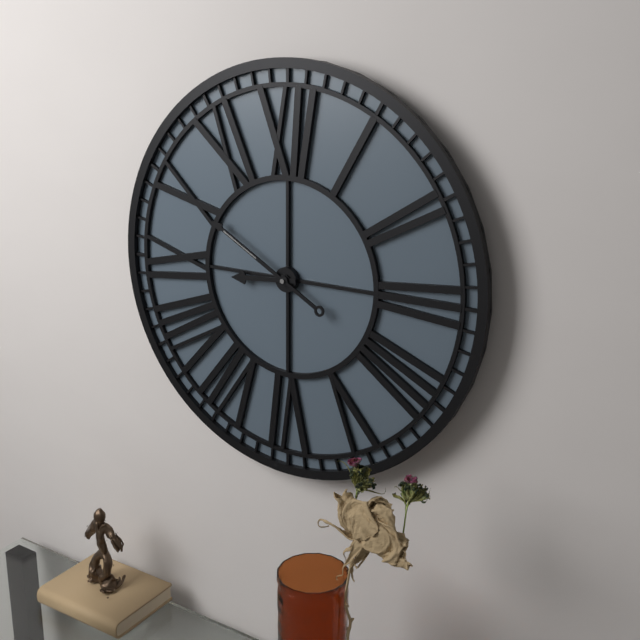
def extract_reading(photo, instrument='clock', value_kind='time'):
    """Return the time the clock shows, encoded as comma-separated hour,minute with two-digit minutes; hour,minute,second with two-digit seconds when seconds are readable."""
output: 8,50
